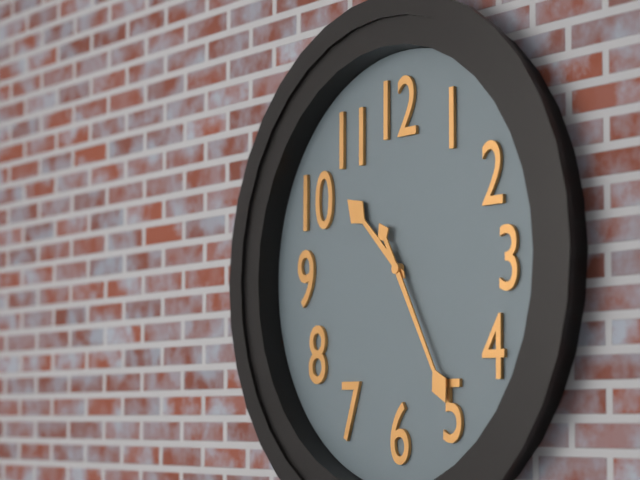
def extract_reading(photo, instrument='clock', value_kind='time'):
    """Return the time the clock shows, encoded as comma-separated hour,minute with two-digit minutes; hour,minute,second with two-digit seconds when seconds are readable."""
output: 10,25
